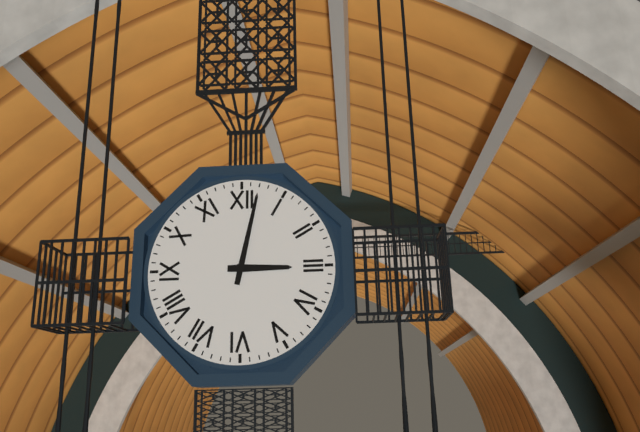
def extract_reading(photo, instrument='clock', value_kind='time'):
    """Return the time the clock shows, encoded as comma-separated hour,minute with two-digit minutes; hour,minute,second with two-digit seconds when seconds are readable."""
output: 3,02
